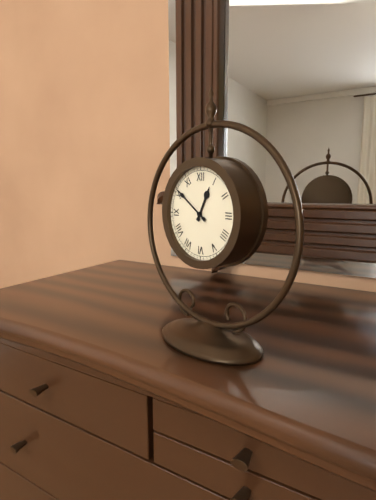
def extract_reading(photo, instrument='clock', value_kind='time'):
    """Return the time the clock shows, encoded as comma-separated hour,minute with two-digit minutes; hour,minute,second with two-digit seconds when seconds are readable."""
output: 12,51
